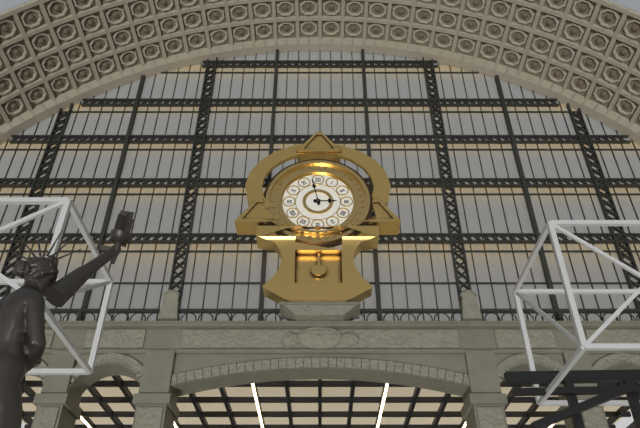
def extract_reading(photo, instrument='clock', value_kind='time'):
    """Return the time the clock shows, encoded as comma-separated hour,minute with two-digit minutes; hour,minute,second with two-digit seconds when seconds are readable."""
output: 2,58
